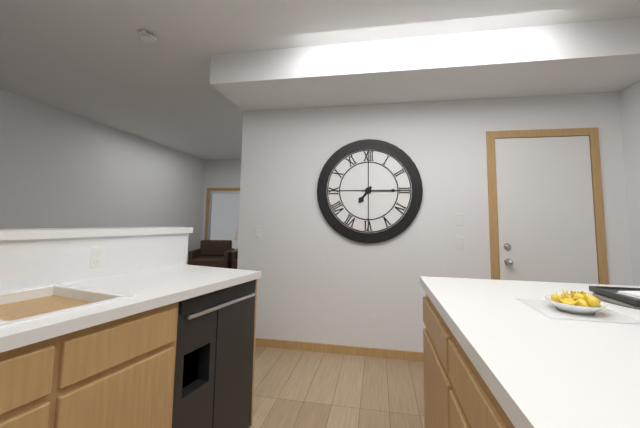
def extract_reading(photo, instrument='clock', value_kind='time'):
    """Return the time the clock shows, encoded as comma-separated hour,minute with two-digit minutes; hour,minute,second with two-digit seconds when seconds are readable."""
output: 7,15
